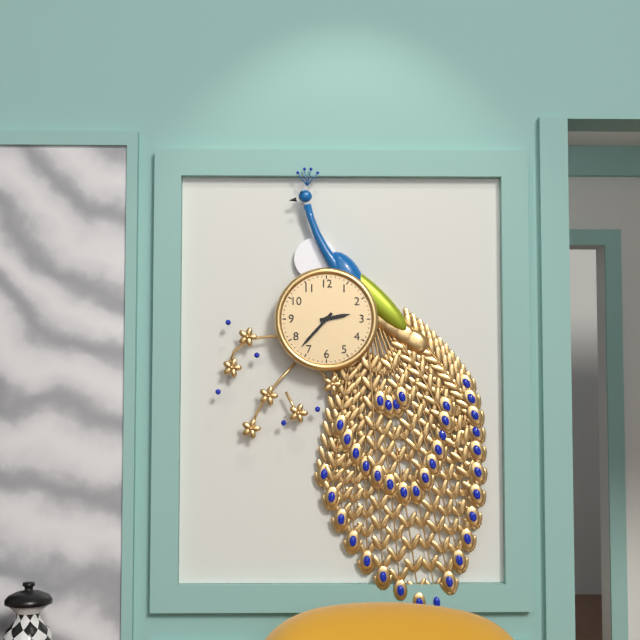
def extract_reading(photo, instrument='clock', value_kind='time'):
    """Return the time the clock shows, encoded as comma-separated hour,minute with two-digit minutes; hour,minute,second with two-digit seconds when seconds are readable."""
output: 2,37
